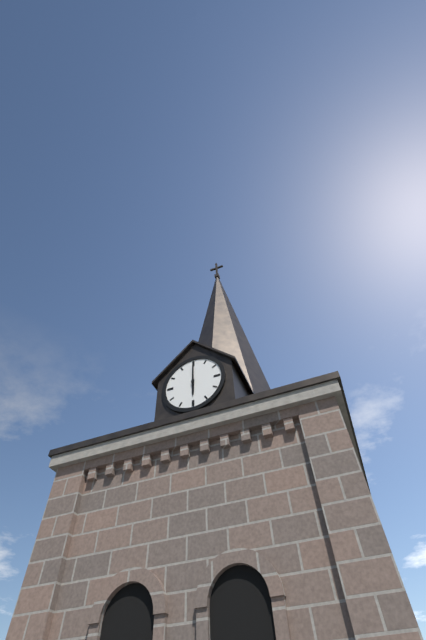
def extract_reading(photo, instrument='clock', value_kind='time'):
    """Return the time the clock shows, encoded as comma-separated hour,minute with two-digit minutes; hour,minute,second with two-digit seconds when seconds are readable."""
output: 6,00
